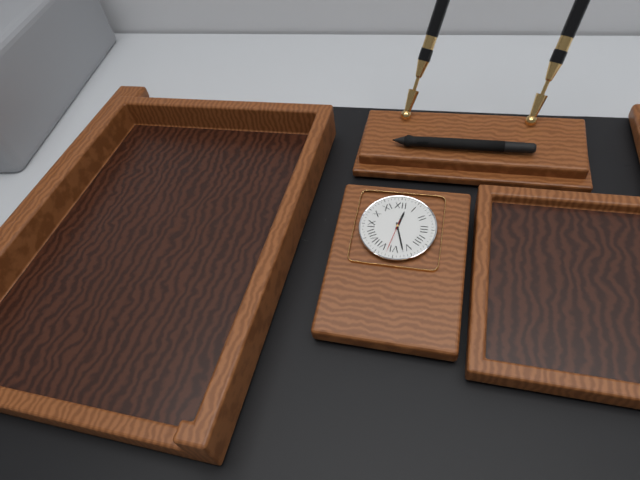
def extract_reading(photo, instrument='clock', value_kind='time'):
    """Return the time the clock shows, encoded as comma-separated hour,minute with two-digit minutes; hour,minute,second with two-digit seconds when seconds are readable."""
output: 12,27
